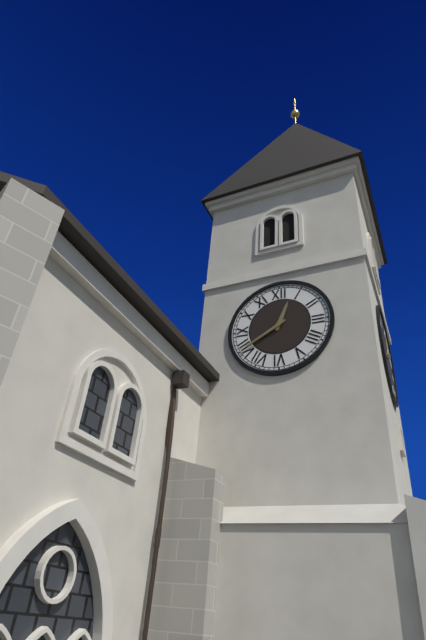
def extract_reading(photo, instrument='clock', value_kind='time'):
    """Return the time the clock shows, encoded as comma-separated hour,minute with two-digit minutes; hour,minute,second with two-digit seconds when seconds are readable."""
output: 12,40
